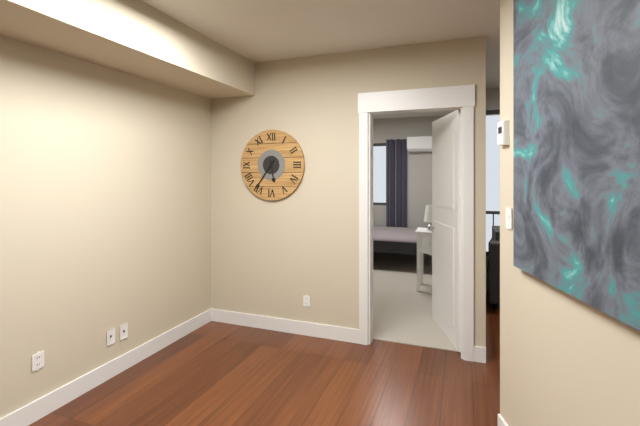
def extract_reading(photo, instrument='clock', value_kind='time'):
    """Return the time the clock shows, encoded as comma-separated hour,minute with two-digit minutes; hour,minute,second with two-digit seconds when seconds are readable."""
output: 5,36
